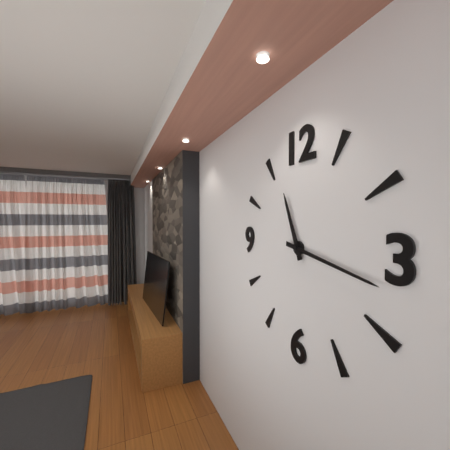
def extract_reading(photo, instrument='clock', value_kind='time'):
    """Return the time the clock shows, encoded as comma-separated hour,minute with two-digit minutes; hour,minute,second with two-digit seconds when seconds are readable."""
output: 11,17
